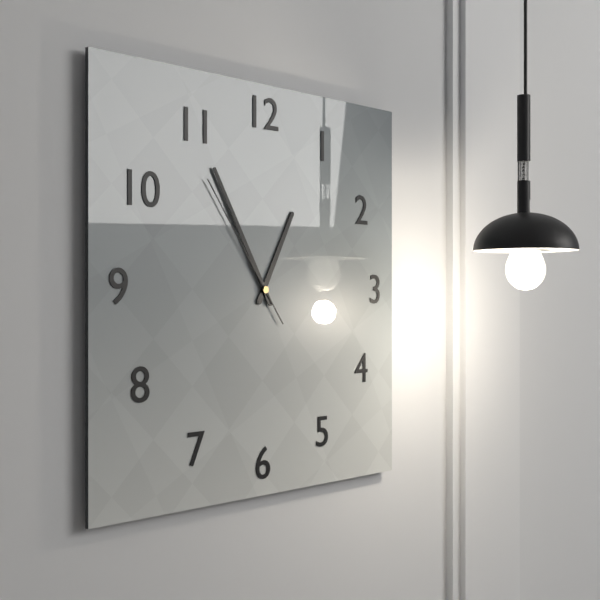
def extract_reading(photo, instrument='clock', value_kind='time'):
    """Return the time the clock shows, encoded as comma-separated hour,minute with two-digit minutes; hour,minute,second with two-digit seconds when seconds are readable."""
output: 12,55,54
